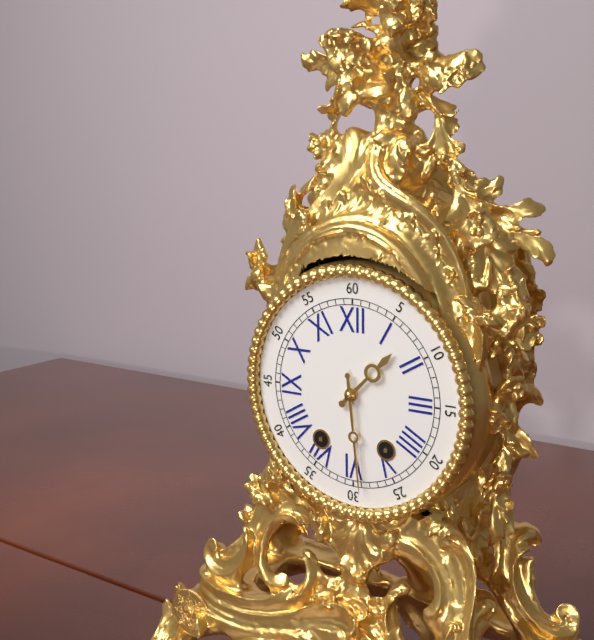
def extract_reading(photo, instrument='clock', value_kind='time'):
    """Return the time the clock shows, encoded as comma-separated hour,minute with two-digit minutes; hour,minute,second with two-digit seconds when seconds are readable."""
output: 1,29
